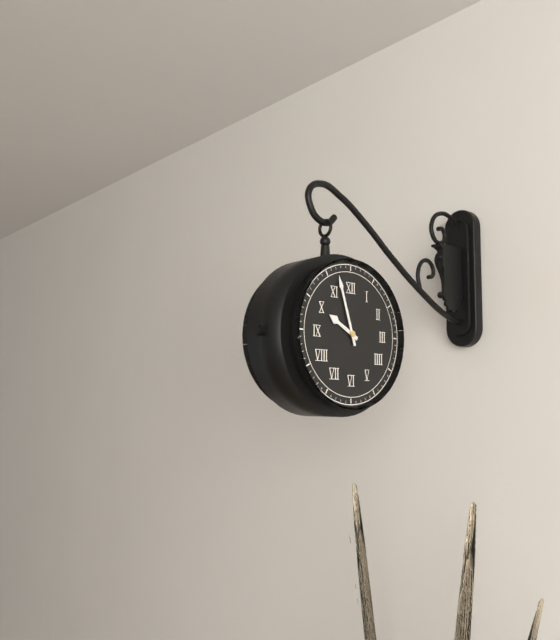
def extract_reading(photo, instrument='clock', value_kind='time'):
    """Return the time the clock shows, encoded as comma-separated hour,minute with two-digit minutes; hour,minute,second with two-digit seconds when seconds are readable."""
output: 9,57
